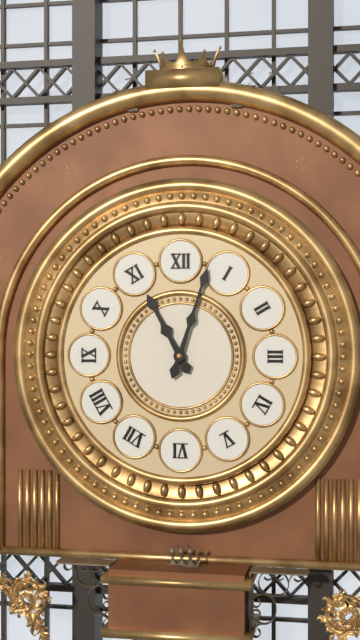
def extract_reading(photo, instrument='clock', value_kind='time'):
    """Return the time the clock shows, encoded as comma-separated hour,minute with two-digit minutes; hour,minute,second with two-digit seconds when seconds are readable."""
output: 11,03
